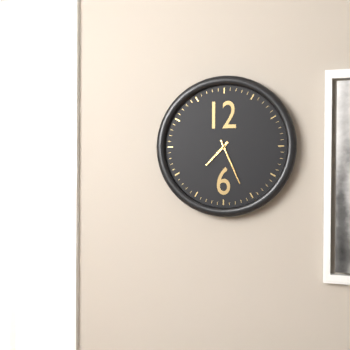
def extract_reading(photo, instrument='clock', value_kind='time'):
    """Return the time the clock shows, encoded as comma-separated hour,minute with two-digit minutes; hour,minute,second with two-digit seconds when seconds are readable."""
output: 7,26
